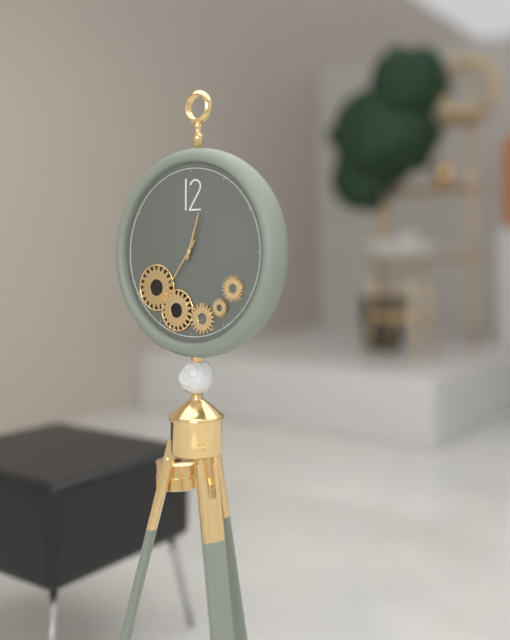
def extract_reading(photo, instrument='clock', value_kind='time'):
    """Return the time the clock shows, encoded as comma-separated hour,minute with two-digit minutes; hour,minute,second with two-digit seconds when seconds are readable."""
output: 12,36
